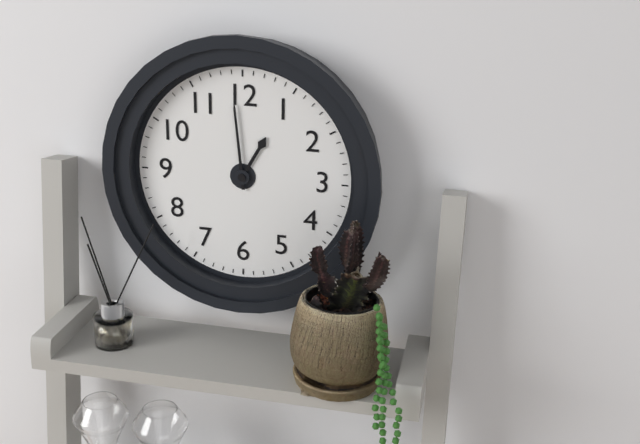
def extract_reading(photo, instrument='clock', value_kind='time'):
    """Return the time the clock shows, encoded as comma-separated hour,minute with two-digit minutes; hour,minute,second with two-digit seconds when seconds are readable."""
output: 12,59
